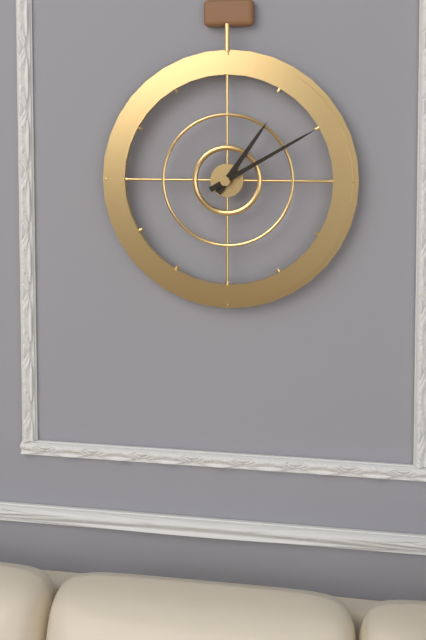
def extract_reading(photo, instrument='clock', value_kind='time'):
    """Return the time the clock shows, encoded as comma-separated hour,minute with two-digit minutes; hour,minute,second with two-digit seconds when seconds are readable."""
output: 1,10
